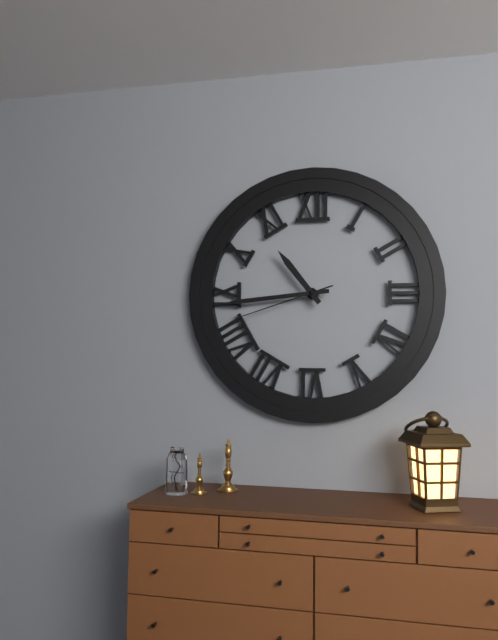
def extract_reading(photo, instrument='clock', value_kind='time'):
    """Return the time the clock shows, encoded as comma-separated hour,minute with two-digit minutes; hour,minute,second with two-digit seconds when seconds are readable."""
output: 10,44,42
